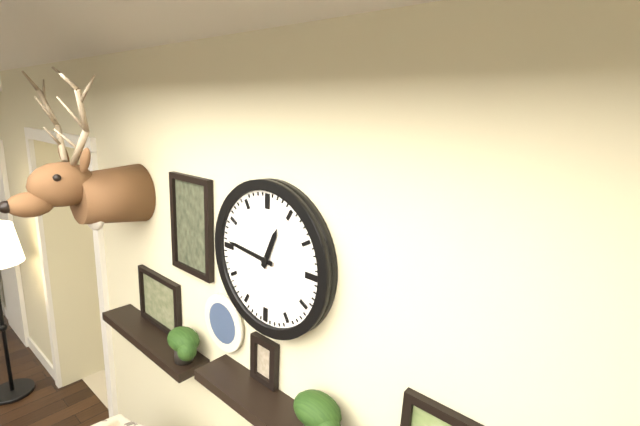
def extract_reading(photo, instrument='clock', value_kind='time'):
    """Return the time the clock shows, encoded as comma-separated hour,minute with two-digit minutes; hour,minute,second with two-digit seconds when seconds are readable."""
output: 12,46
